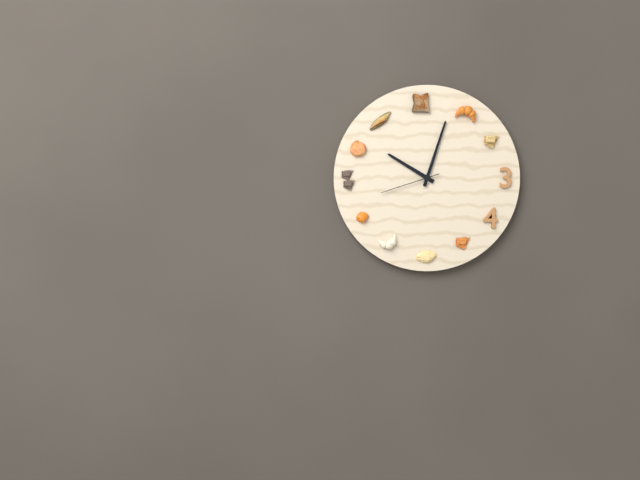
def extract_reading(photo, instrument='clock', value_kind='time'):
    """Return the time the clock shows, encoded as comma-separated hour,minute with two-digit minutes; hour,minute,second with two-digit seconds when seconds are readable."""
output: 10,03,42
